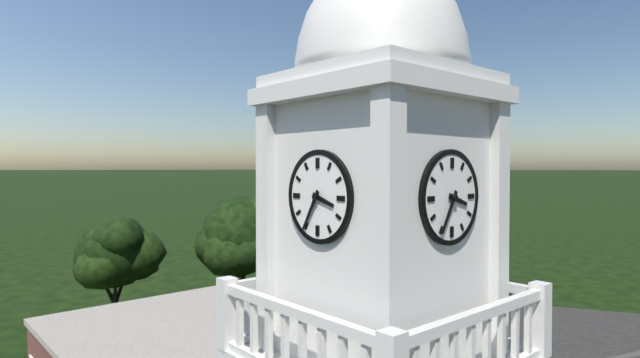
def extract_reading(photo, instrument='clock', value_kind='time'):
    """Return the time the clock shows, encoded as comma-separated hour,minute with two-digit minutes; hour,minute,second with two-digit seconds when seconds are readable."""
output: 3,35
